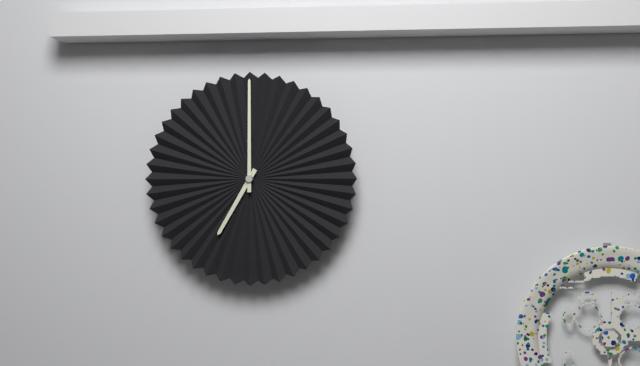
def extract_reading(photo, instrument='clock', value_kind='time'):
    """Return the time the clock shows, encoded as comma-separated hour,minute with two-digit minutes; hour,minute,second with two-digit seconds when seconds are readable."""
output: 7,00
